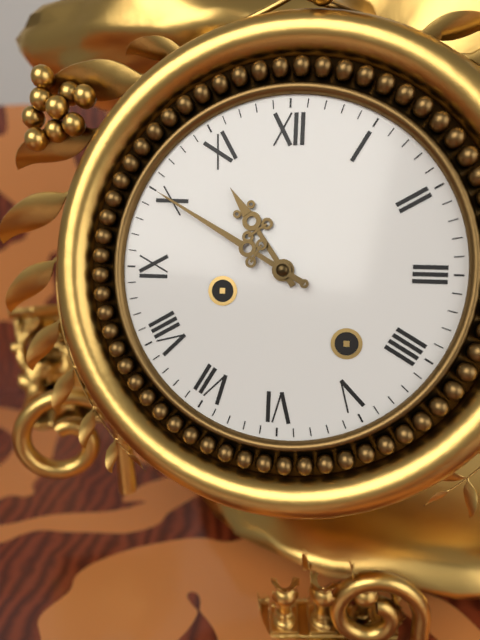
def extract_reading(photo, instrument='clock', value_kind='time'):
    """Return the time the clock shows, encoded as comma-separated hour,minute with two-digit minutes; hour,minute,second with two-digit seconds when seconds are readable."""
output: 10,50
